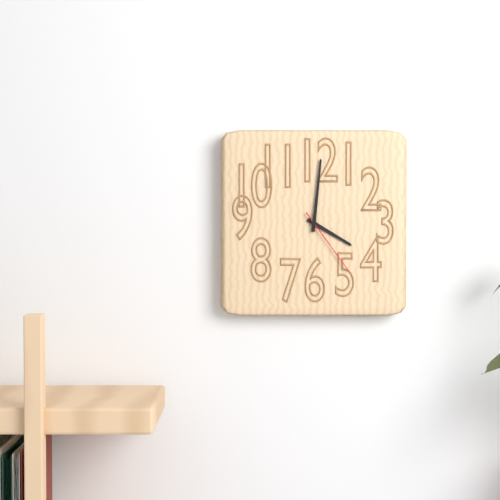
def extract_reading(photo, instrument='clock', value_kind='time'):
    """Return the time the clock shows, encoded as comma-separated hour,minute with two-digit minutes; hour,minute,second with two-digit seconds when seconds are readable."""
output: 4,01,24
